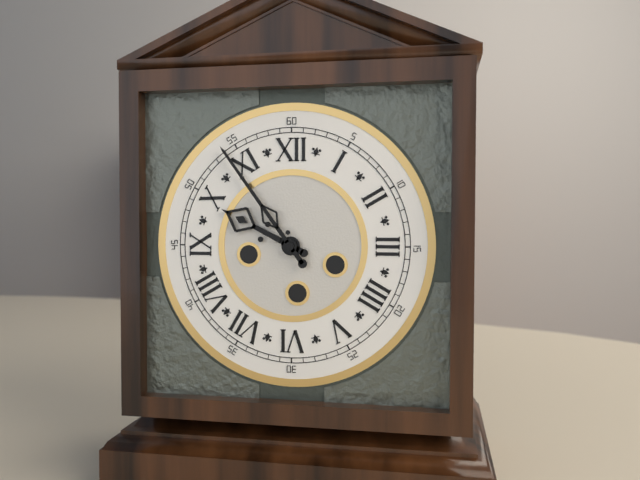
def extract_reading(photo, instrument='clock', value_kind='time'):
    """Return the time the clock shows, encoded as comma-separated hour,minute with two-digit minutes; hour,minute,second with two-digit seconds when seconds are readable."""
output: 9,54
